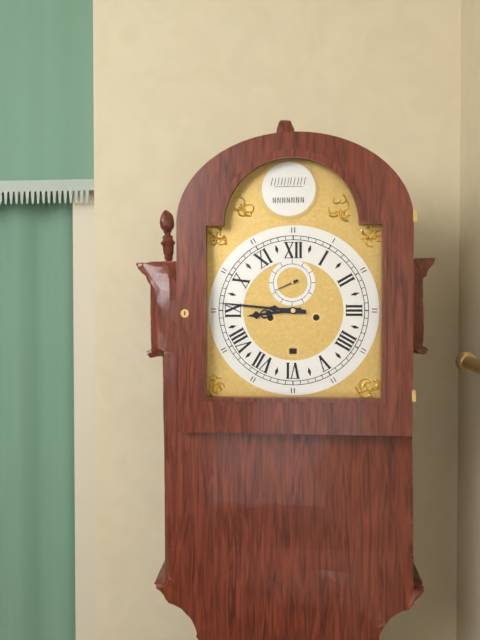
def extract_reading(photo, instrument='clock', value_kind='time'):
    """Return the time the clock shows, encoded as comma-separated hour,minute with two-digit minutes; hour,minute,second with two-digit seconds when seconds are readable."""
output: 8,46
